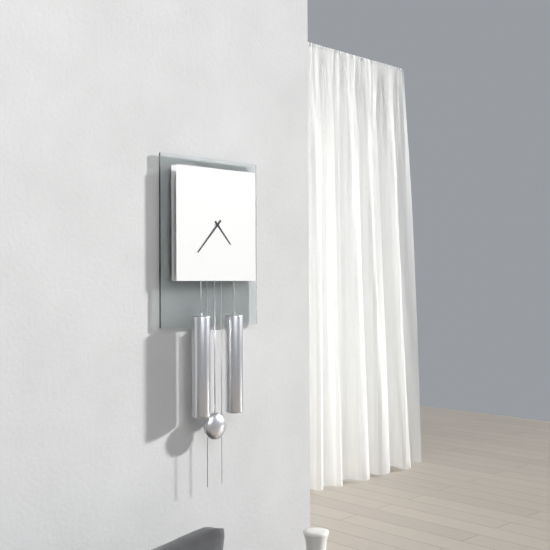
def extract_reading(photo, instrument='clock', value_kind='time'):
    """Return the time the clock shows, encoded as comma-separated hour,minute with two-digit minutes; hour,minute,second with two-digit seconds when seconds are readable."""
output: 4,37
